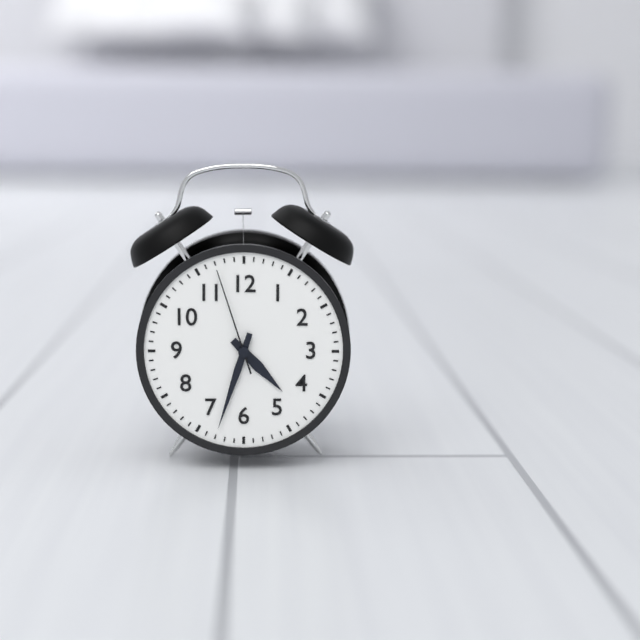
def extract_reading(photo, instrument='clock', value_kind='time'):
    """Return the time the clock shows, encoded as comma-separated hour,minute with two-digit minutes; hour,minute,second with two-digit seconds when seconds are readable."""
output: 4,33,57
